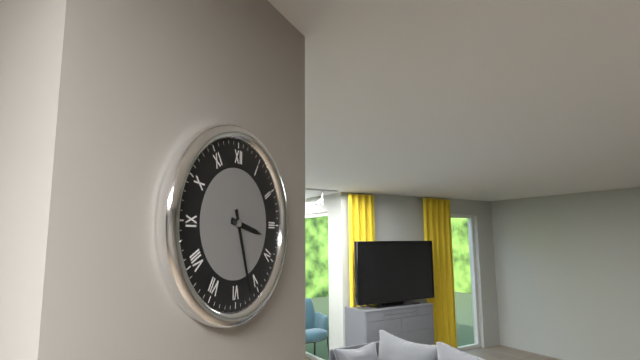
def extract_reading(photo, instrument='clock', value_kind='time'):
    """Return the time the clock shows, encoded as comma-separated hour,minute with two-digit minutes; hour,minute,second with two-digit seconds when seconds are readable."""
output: 3,27
